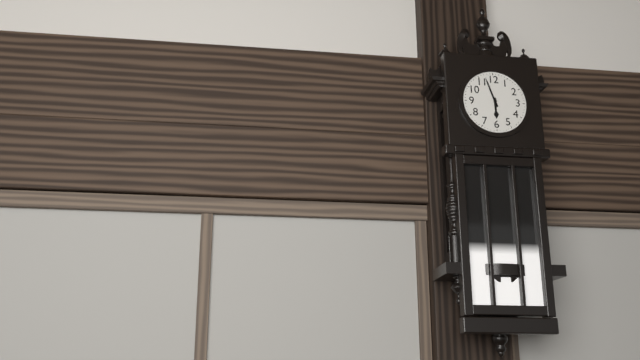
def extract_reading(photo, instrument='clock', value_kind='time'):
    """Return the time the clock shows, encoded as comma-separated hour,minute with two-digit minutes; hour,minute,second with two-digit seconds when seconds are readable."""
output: 5,57
